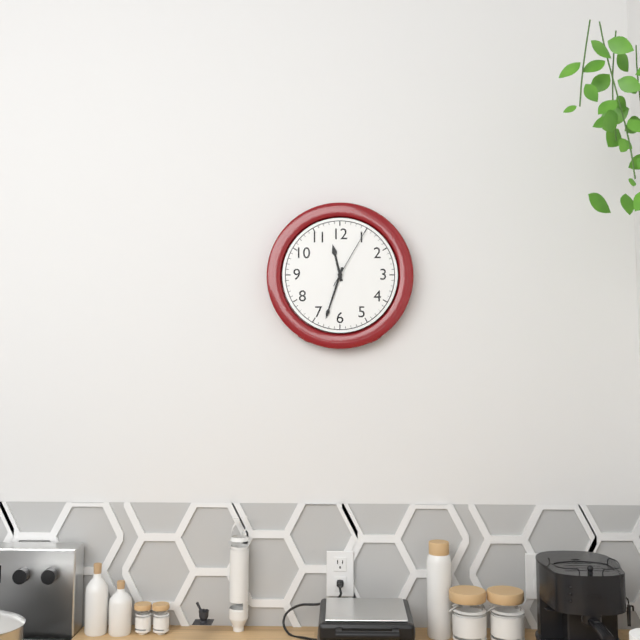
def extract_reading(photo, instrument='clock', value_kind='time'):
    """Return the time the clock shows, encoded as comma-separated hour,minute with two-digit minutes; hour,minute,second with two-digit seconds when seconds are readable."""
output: 11,33,05
